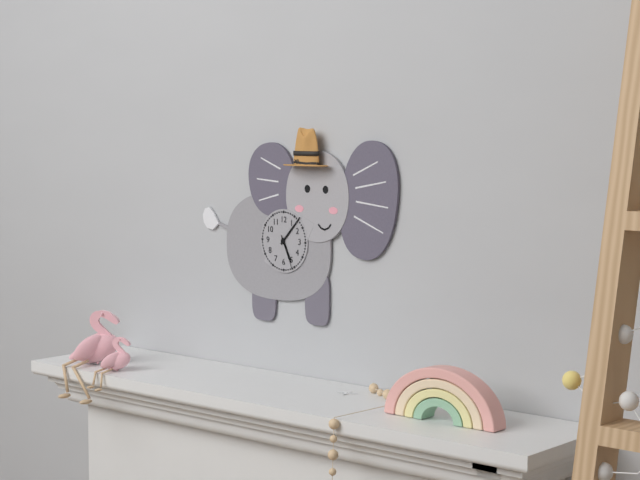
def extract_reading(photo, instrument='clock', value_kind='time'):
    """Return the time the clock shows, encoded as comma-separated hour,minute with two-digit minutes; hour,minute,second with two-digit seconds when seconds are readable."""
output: 5,07
